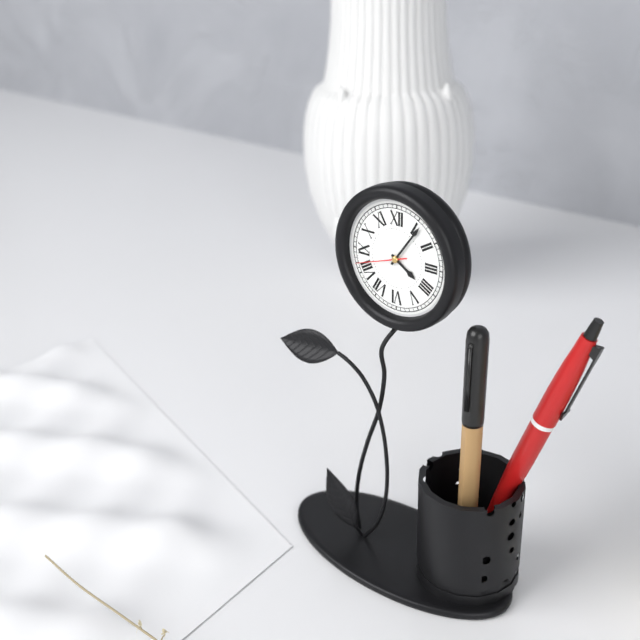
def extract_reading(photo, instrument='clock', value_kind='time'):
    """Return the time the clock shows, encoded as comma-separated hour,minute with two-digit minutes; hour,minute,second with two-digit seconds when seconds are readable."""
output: 4,06
